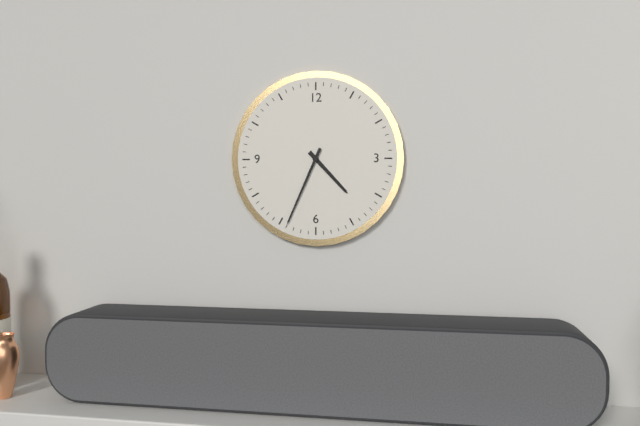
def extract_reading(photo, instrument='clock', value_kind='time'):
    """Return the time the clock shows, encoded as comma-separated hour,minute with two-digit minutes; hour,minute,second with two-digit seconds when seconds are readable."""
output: 4,34
